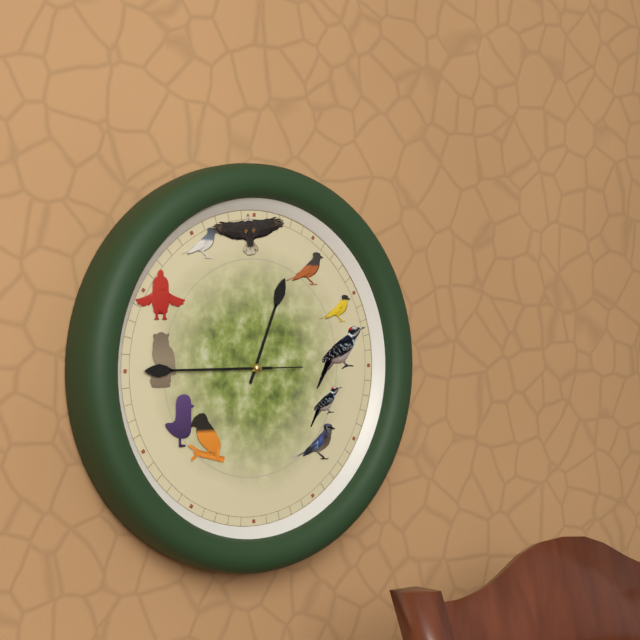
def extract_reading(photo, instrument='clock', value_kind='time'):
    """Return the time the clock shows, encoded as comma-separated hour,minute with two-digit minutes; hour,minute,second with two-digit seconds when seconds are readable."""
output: 12,45,45
